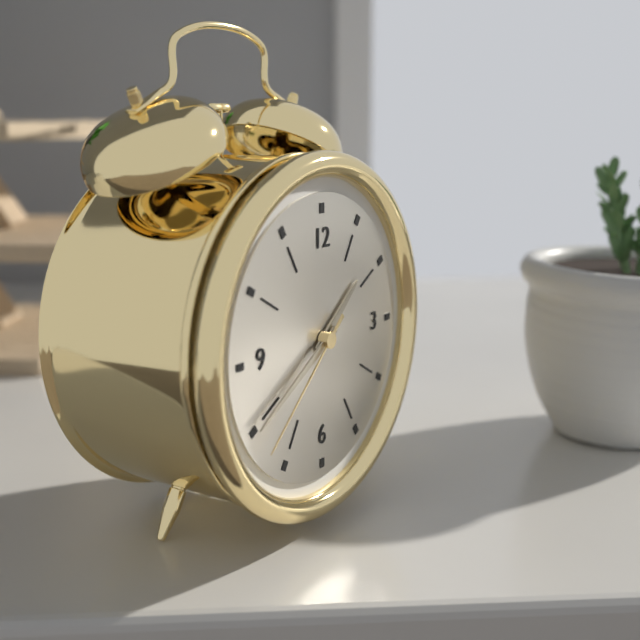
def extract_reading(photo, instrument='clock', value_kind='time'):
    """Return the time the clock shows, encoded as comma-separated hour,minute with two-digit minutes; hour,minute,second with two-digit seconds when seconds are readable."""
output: 1,40,38
